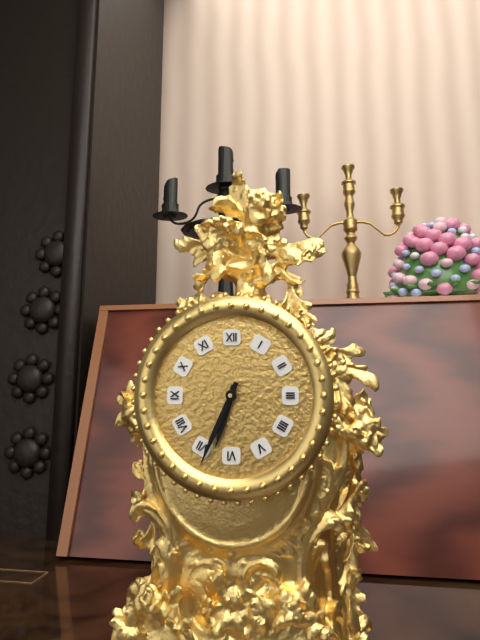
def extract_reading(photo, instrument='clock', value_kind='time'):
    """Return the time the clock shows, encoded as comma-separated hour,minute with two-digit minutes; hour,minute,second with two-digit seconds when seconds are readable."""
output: 6,34
